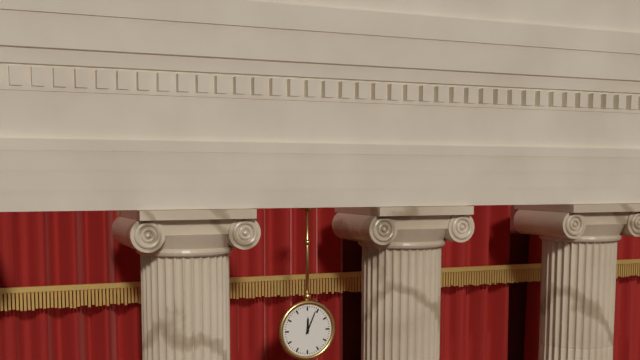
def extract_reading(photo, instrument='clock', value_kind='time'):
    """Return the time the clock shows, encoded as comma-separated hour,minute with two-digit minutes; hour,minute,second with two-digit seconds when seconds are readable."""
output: 12,04
